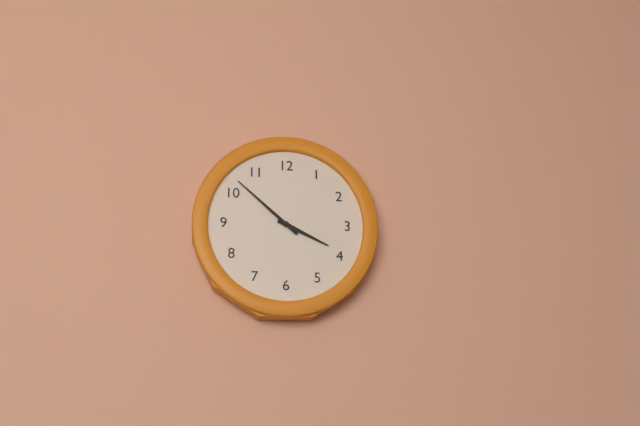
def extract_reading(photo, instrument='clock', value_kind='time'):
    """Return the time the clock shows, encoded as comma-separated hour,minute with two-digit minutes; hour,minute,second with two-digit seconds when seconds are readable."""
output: 3,52
